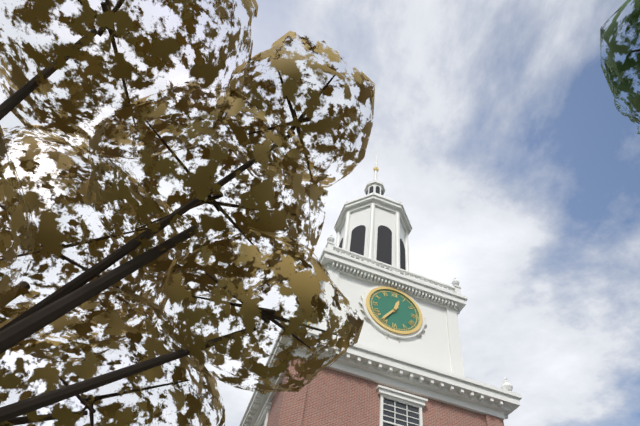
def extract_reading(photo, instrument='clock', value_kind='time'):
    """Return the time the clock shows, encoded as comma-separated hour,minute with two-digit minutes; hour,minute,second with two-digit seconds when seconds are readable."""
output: 12,36
